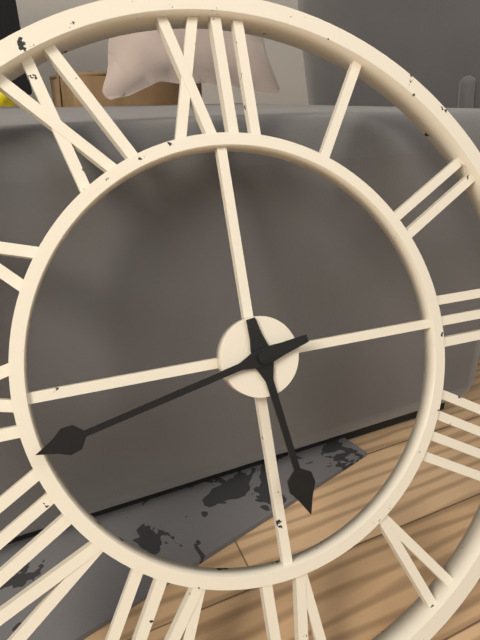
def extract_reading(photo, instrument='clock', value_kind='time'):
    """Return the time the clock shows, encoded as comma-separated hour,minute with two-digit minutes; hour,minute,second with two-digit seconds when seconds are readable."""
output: 5,43
